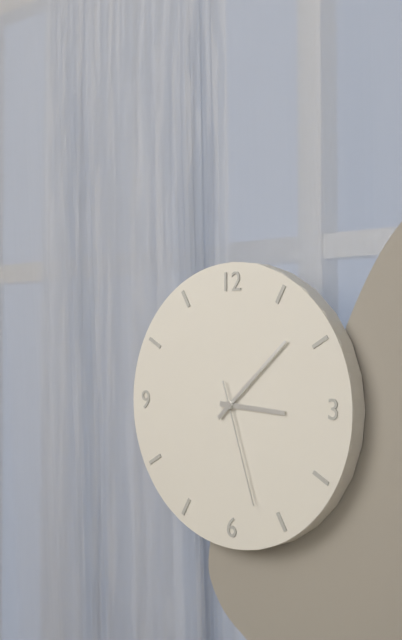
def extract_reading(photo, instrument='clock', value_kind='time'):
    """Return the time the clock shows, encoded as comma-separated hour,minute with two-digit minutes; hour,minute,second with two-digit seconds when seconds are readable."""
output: 3,08,27
